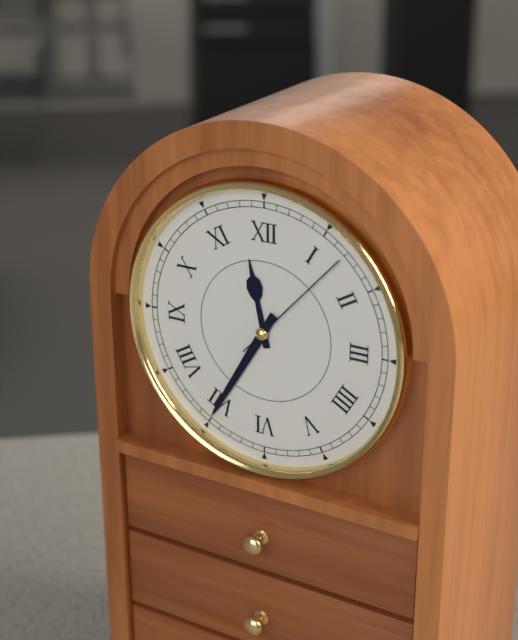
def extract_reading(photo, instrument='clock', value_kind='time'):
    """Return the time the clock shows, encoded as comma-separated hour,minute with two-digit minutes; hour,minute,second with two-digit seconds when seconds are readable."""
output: 11,35,07
